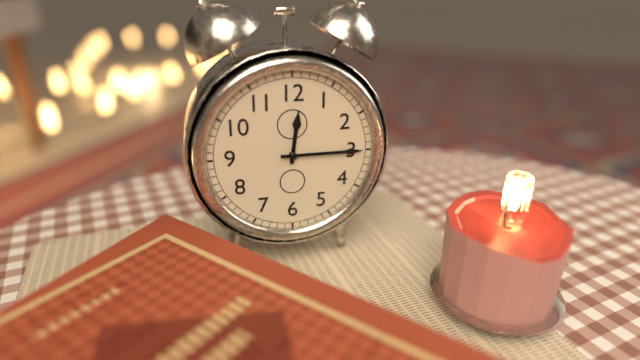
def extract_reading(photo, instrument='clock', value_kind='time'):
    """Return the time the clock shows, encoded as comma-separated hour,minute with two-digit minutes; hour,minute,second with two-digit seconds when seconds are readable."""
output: 12,15
